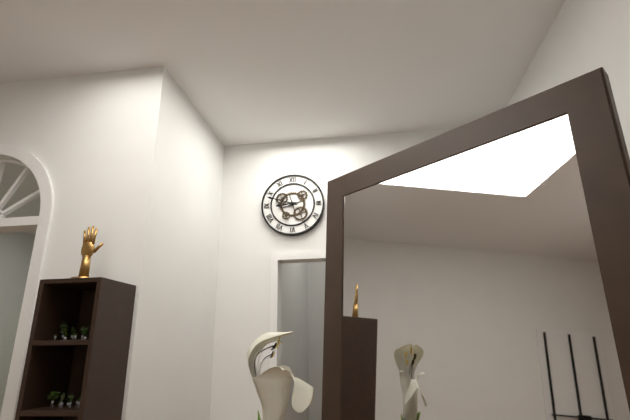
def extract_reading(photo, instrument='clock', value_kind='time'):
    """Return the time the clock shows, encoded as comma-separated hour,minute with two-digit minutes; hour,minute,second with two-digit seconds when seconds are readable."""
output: 8,48
